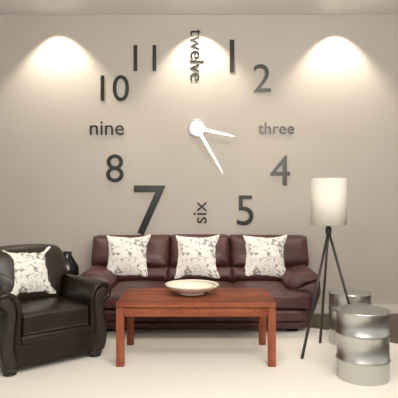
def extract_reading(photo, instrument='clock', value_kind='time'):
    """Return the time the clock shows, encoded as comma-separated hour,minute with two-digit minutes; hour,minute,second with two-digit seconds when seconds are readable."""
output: 3,25
